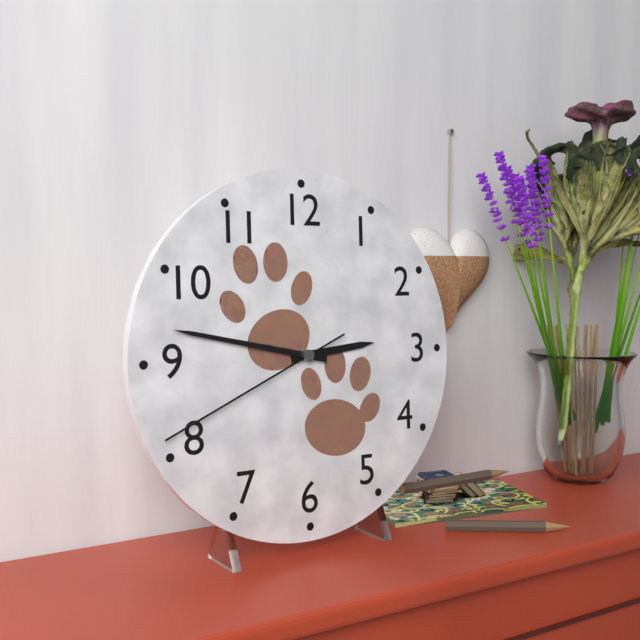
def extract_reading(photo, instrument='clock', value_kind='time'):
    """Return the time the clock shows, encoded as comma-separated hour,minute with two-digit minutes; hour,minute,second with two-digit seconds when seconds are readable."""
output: 2,47,41
